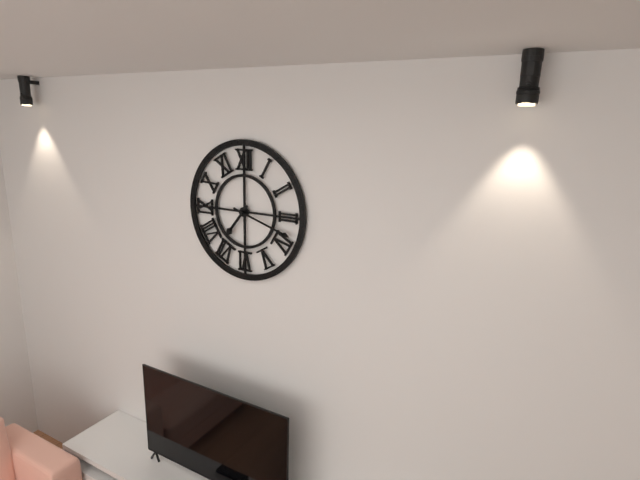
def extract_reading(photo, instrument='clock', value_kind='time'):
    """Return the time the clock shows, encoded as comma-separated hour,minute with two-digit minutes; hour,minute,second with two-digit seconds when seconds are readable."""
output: 7,18
